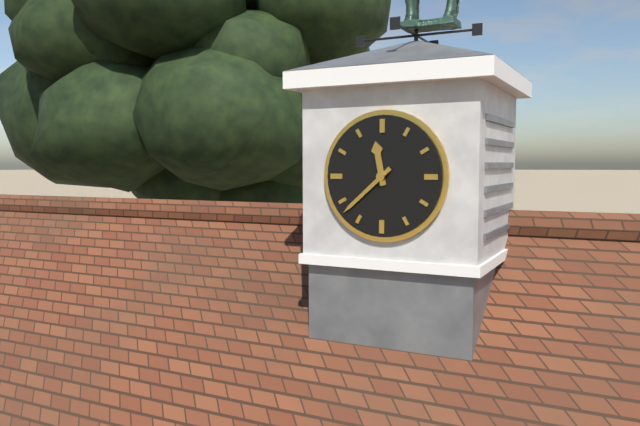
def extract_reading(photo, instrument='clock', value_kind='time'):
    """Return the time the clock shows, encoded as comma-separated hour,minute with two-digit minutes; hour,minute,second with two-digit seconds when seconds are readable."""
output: 11,38
